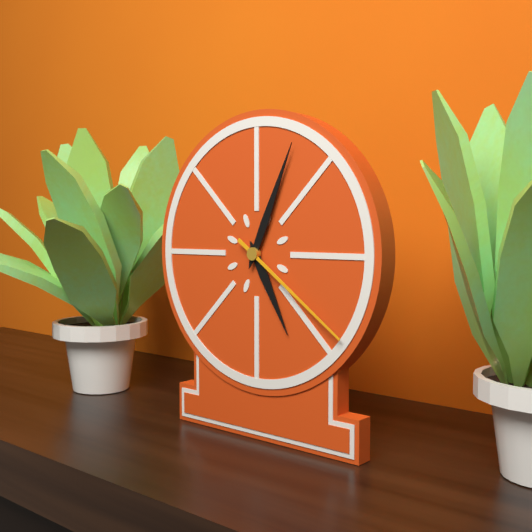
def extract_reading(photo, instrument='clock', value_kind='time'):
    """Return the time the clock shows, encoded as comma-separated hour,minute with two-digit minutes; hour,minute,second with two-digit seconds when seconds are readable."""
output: 5,04,21
